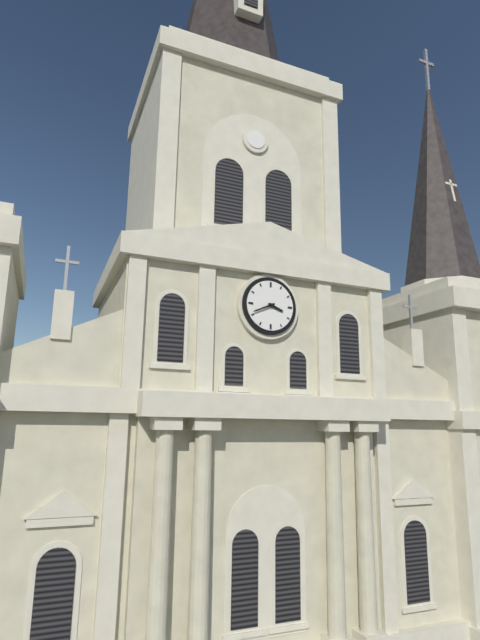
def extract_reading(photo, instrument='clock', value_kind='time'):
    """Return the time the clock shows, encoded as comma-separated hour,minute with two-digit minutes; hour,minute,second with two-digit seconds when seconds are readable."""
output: 3,41
